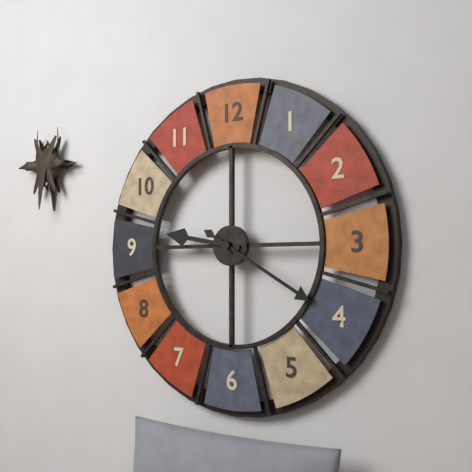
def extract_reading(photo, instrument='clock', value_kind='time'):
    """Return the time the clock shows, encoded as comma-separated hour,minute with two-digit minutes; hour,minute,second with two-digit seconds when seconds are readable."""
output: 9,20
